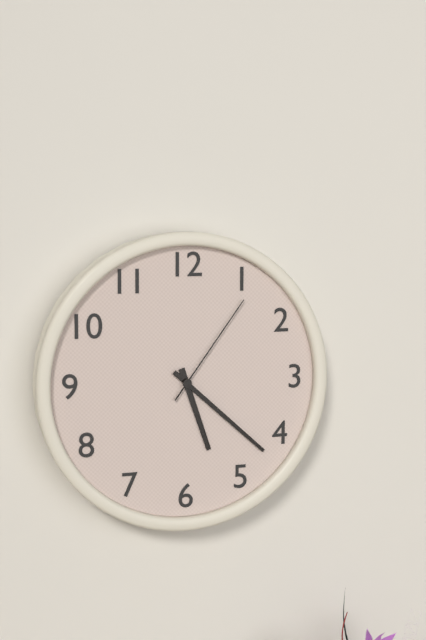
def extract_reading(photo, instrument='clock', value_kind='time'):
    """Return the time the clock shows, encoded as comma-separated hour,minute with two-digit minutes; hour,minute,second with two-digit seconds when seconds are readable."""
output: 5,22,06
